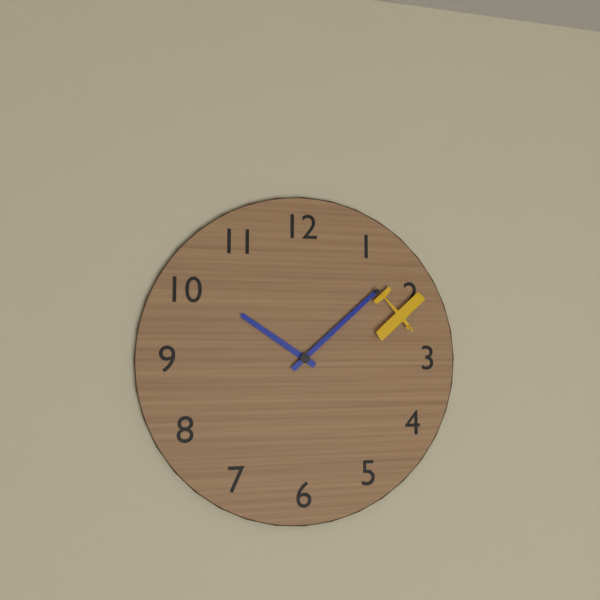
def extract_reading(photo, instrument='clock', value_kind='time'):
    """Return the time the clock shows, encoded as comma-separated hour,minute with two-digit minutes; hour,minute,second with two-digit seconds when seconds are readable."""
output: 10,08
